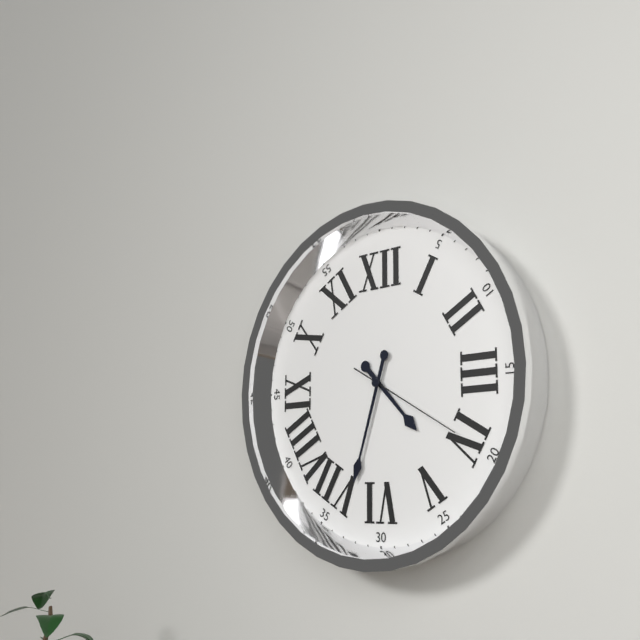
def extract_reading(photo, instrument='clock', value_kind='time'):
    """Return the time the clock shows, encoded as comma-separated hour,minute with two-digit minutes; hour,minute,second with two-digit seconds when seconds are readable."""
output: 4,33,20
